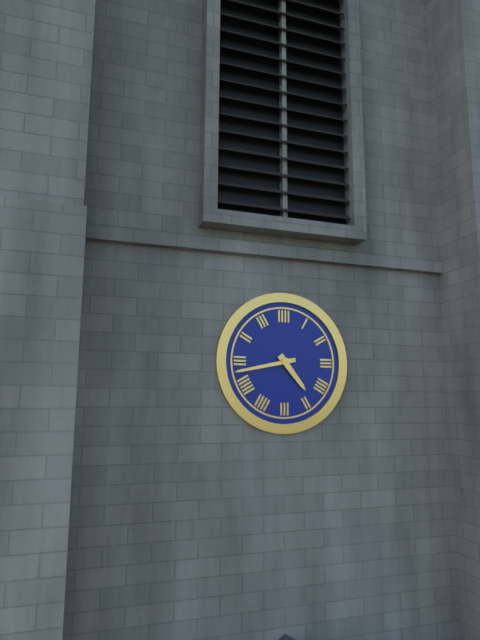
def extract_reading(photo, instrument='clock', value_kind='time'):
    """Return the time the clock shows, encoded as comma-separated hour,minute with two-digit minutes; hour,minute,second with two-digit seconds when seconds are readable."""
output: 4,43
